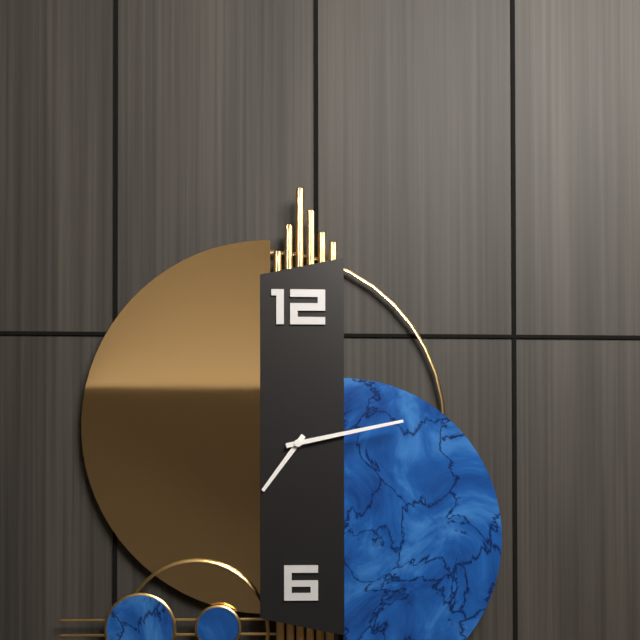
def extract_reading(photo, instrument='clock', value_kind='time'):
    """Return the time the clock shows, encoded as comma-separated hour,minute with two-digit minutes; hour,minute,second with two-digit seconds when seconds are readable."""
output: 7,13
